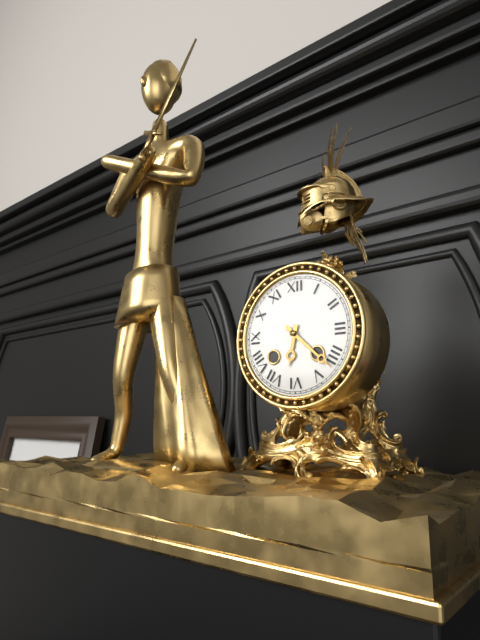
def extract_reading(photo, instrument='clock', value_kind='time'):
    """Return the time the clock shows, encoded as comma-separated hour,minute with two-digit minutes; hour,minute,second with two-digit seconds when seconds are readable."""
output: 6,22
